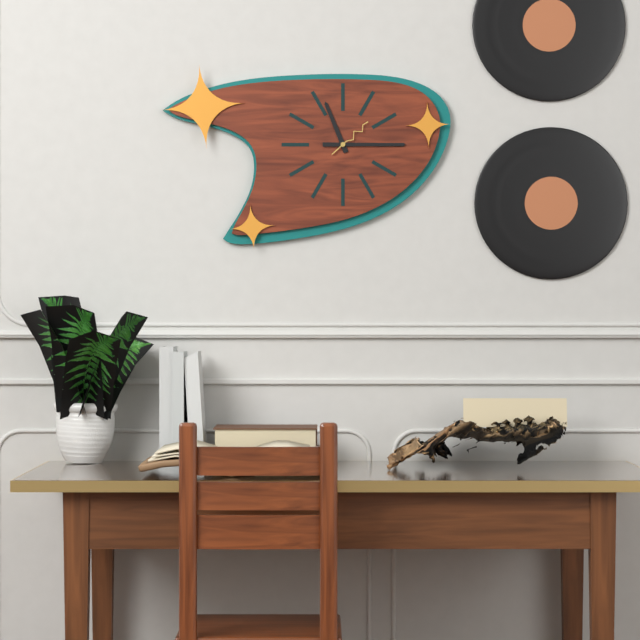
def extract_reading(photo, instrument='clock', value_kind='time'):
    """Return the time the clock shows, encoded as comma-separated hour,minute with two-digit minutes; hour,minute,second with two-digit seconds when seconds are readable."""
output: 11,15
